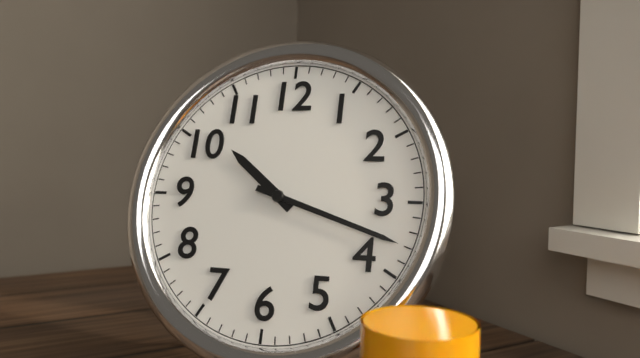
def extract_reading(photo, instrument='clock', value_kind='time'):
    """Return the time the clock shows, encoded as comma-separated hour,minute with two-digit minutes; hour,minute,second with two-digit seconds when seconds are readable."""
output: 10,18
